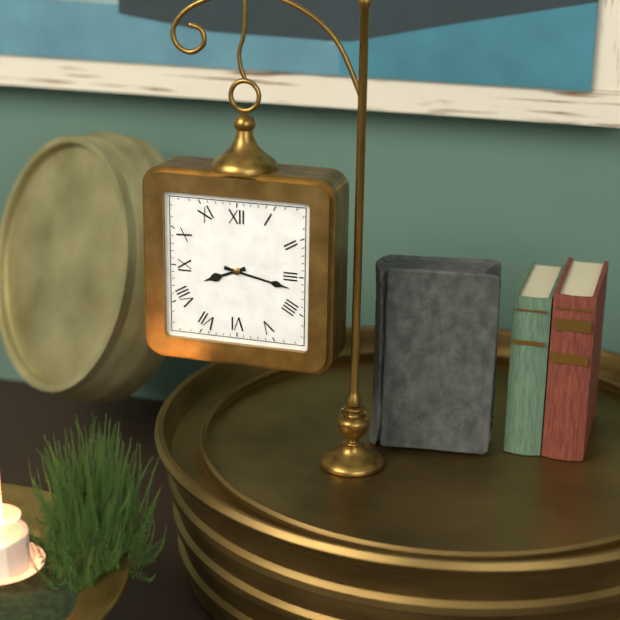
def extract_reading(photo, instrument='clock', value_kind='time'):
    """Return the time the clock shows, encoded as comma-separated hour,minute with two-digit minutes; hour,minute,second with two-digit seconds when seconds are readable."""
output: 8,17
